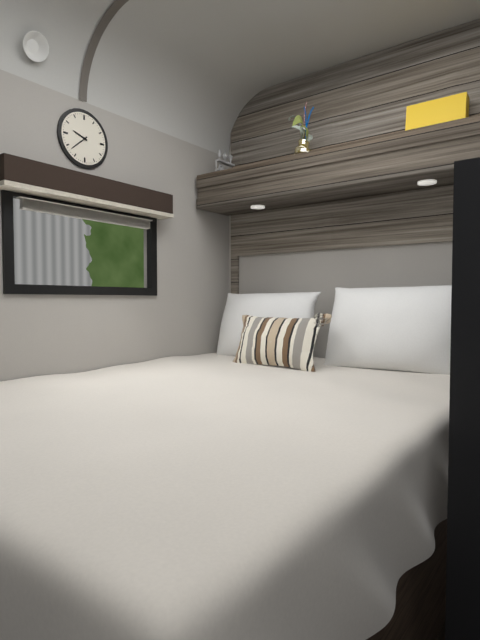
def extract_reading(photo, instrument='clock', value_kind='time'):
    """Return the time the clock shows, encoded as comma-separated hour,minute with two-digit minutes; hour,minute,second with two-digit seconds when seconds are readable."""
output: 9,38
